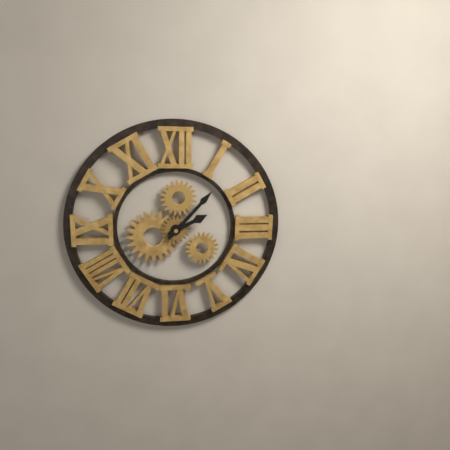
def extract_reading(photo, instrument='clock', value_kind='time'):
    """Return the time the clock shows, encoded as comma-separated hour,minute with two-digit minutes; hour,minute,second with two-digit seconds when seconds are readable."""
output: 2,07
